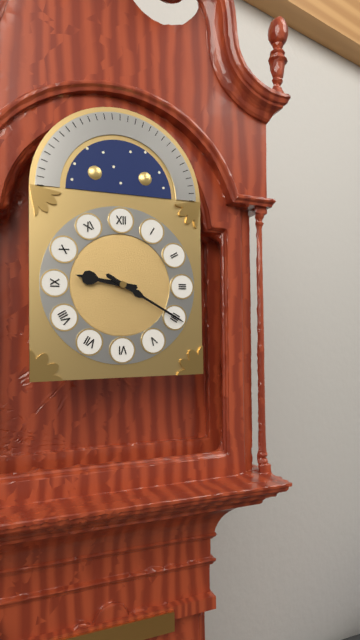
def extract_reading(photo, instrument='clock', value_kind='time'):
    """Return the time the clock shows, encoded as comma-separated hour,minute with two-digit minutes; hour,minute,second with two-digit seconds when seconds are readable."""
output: 9,20
